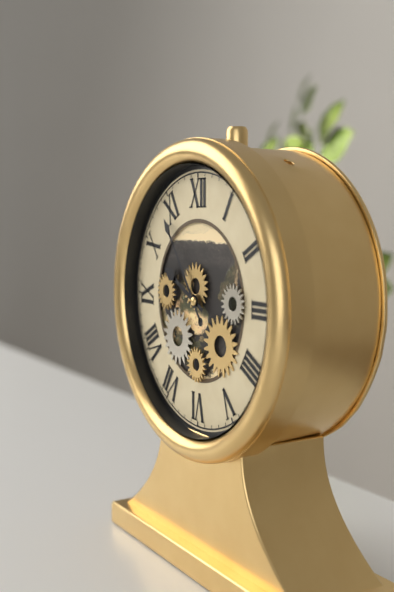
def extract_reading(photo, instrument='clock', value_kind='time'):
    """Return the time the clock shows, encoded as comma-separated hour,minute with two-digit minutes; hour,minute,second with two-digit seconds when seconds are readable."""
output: 9,54
